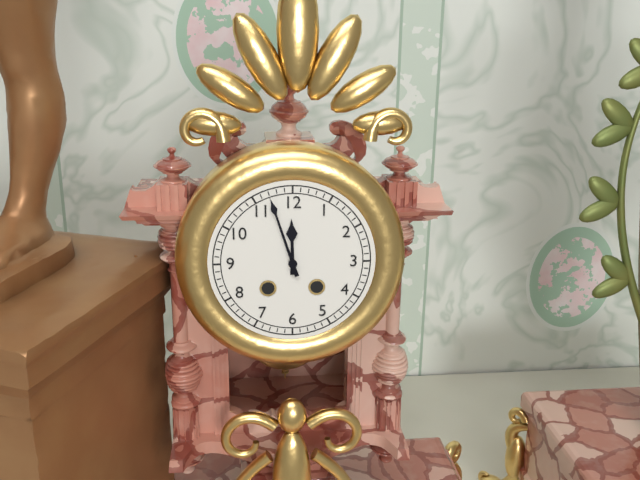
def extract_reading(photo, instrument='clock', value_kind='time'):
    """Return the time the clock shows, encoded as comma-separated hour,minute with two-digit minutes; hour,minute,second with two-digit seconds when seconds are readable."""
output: 11,57
